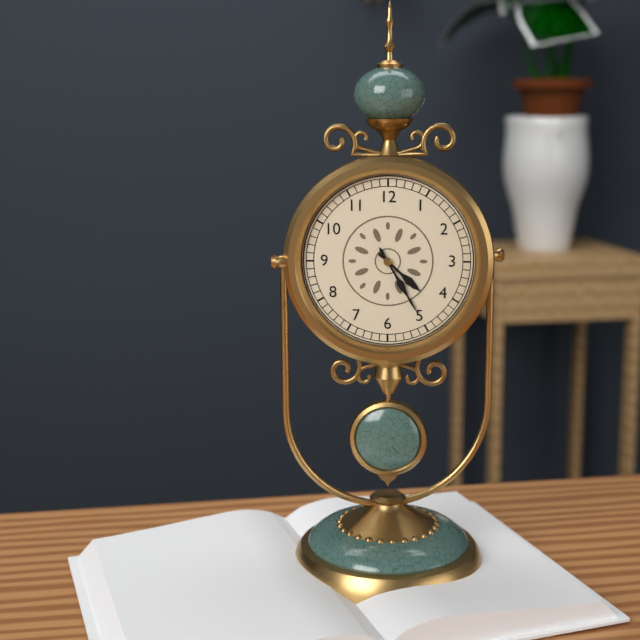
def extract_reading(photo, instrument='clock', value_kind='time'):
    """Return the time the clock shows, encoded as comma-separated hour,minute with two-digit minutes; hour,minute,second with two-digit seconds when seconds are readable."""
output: 4,25
